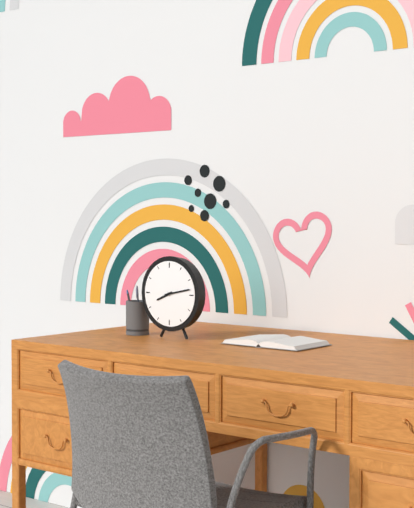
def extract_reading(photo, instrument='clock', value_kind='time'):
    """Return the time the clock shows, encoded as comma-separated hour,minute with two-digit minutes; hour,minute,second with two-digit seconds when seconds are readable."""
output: 8,13
